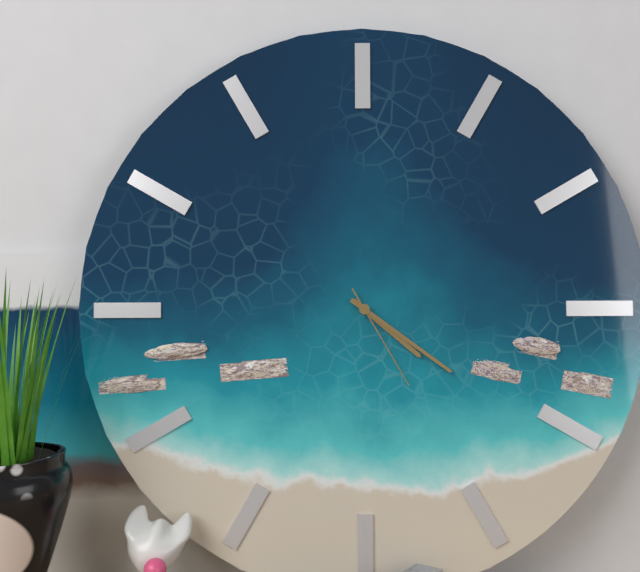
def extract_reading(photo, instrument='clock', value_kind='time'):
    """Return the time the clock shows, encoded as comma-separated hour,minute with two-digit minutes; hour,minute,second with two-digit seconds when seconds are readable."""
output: 4,21,25
